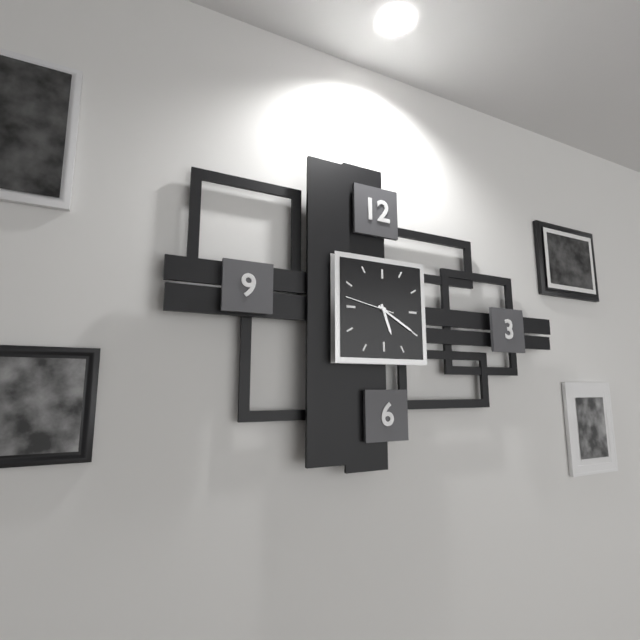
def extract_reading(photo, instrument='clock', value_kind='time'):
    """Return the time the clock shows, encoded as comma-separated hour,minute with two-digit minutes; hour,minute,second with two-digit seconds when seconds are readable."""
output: 5,20
